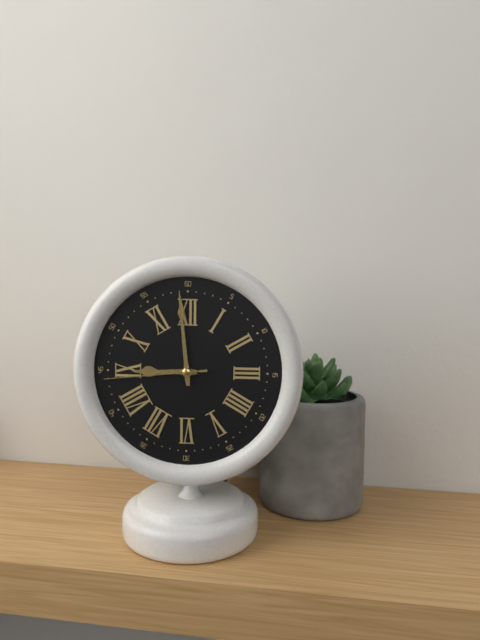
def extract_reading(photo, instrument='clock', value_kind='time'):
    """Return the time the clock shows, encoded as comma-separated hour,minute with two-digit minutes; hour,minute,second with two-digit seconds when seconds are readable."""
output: 8,59,44
